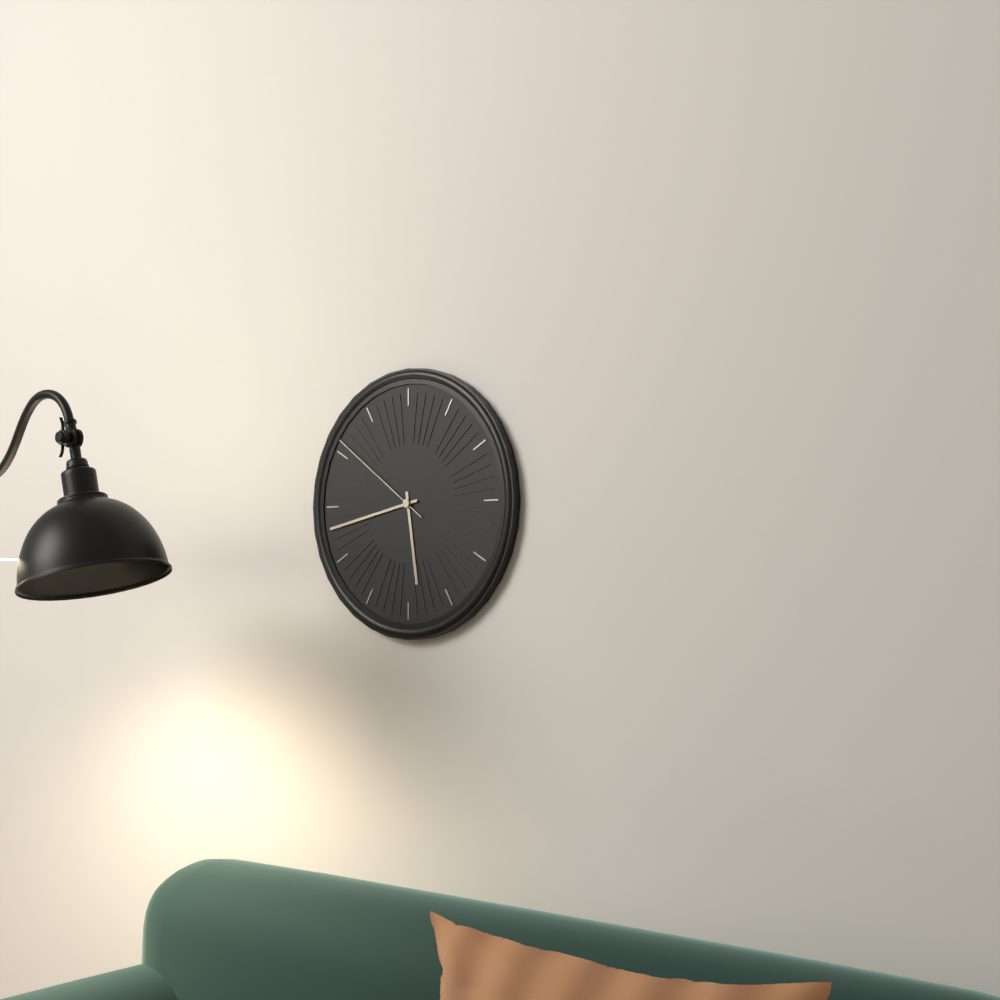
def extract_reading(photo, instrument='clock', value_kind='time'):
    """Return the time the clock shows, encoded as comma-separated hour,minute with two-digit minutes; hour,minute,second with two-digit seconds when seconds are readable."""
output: 5,43,51
